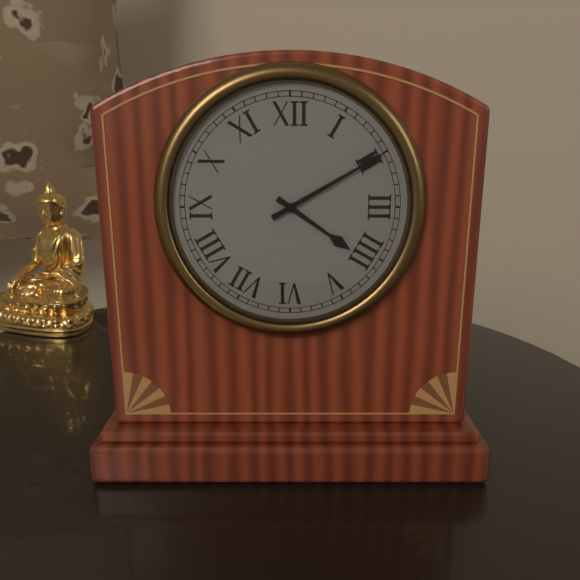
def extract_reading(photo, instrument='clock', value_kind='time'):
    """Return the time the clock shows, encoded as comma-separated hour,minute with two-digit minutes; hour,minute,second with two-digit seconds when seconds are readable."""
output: 4,10
